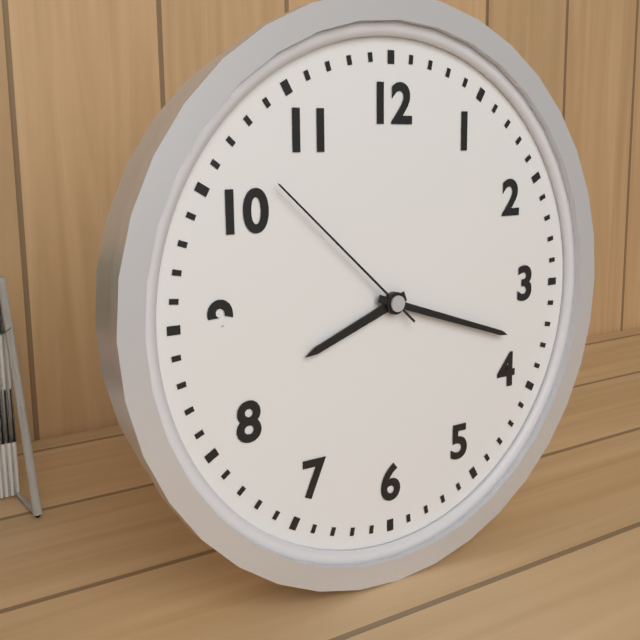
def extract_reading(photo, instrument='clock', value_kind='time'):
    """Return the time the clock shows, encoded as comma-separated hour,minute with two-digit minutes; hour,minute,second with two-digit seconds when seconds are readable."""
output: 8,18,52
